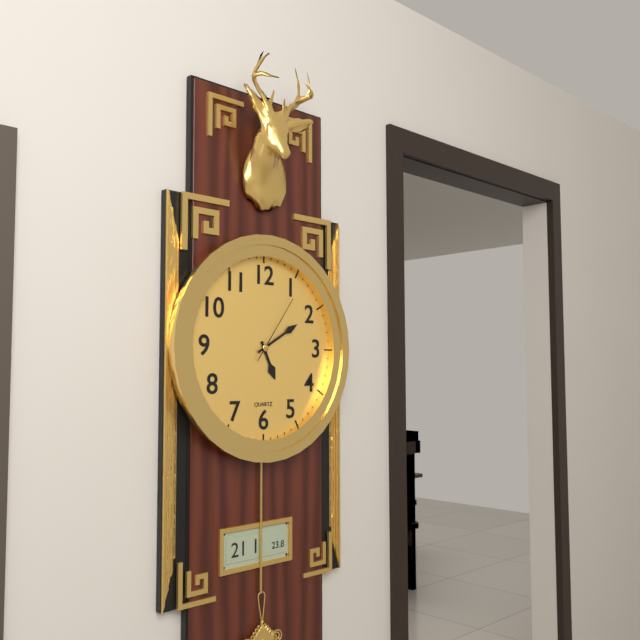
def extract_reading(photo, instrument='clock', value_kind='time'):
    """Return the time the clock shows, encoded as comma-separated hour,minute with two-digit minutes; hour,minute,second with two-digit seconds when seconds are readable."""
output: 5,10,06
